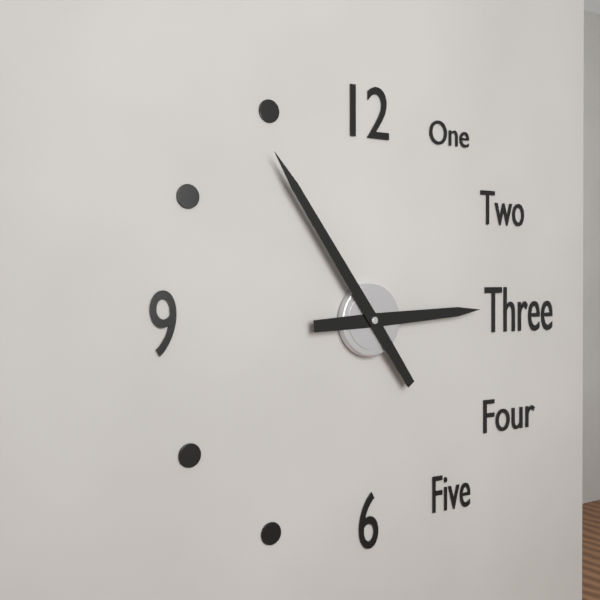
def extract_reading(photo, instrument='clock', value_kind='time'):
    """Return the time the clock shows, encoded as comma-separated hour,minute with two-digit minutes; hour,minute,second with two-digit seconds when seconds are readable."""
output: 2,54
